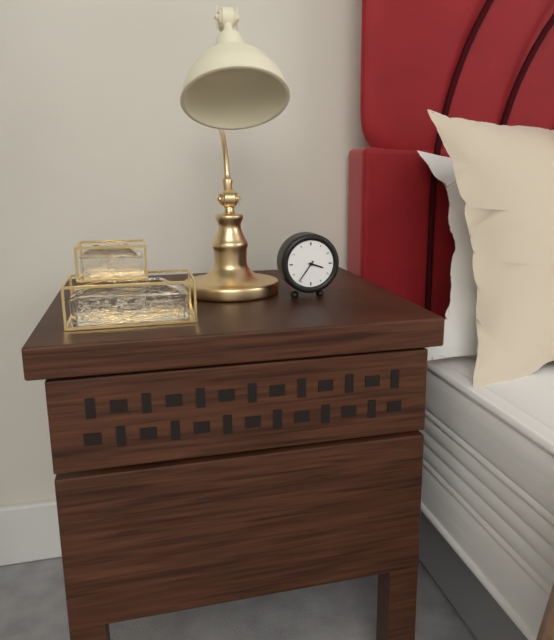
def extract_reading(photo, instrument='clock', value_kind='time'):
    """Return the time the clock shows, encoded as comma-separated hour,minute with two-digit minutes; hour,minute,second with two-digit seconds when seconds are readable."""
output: 3,36
